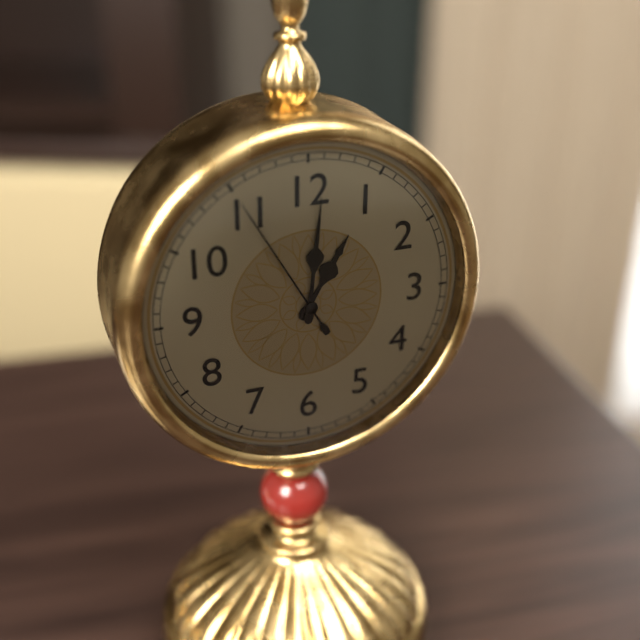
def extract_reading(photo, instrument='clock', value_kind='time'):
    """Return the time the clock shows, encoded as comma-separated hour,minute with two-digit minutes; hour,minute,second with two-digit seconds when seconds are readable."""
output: 1,01,55
